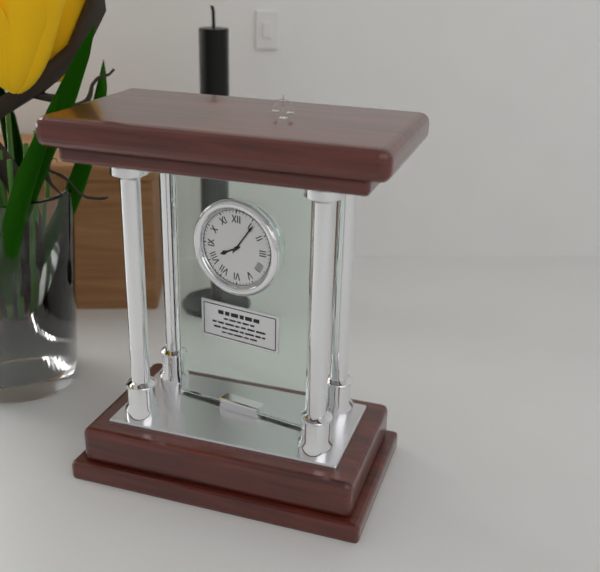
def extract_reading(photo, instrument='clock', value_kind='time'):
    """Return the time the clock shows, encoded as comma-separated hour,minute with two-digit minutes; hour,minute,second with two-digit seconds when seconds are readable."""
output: 8,06
